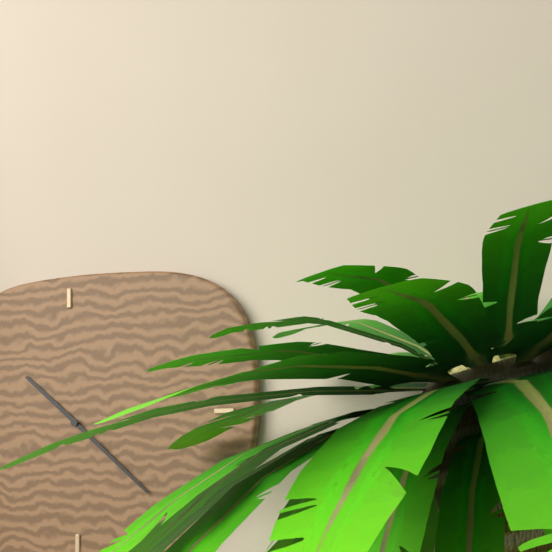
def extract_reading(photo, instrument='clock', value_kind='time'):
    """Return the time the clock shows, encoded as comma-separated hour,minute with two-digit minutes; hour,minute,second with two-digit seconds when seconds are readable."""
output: 10,22
